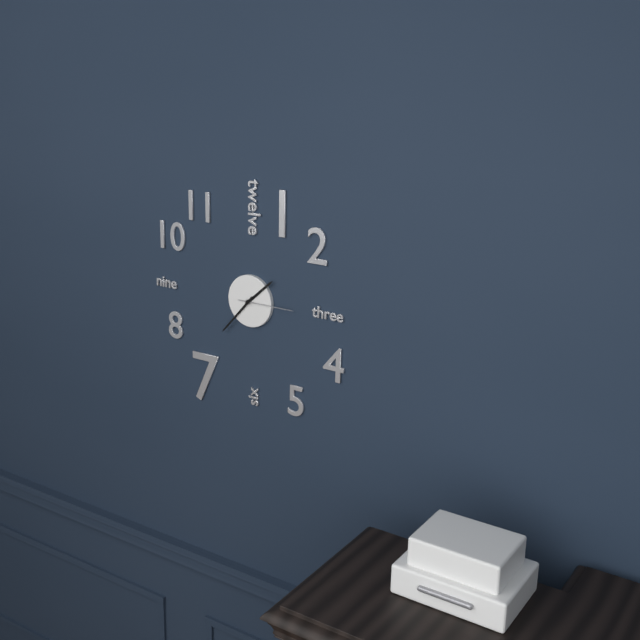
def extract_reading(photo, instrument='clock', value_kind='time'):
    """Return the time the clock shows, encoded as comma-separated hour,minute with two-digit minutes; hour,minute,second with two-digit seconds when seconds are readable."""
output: 1,37,15
